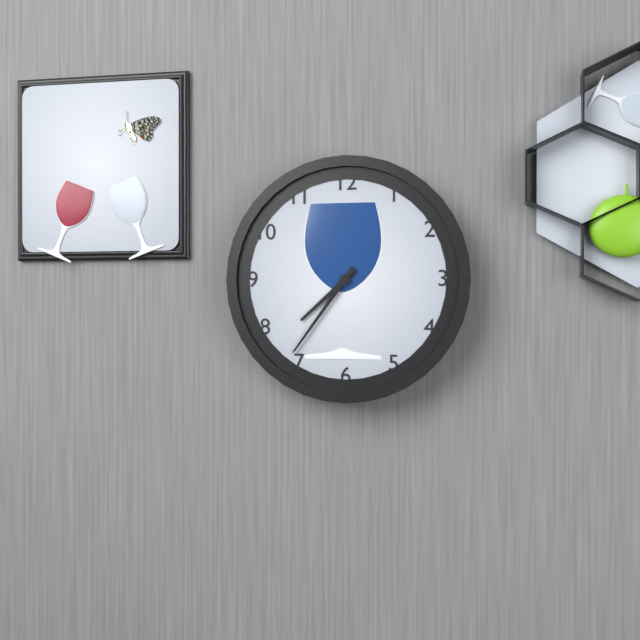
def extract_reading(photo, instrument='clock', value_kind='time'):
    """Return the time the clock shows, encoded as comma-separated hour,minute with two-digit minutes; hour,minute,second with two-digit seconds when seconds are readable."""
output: 7,36
